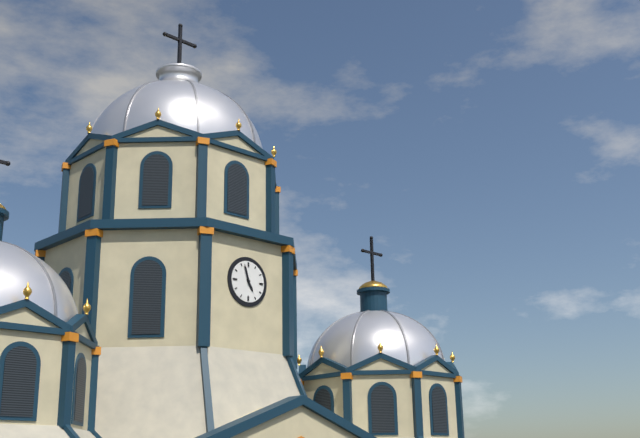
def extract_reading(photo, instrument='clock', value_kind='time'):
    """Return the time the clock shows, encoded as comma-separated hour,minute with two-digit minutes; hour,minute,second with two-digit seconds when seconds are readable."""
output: 4,57
